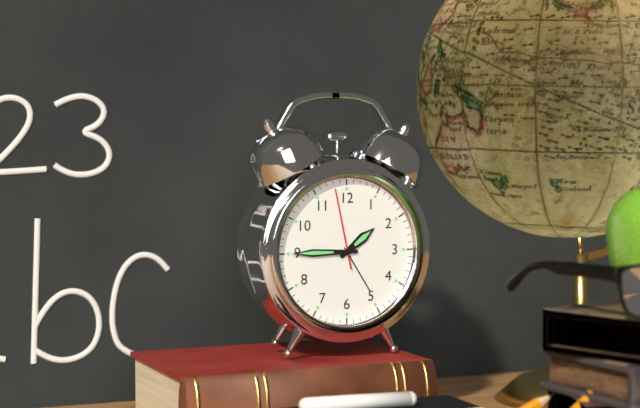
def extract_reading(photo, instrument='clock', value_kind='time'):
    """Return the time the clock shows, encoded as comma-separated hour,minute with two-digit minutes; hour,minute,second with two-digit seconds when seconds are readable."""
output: 1,45,58
